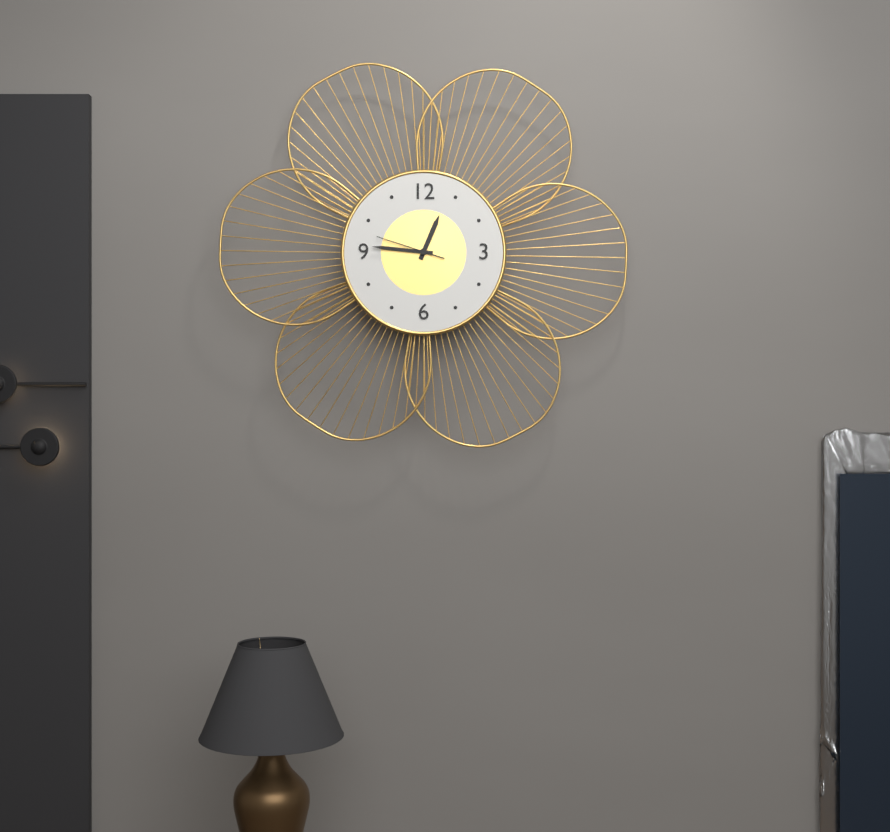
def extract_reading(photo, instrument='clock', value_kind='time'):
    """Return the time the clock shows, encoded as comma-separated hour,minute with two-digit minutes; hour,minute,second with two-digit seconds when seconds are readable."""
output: 12,46,48
